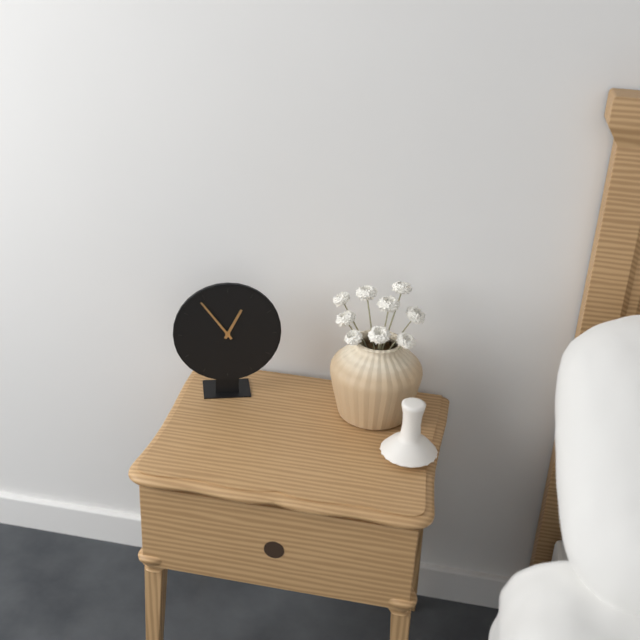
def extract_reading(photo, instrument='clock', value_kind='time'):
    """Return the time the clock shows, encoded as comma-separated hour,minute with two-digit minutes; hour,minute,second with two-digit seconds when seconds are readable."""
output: 12,54
